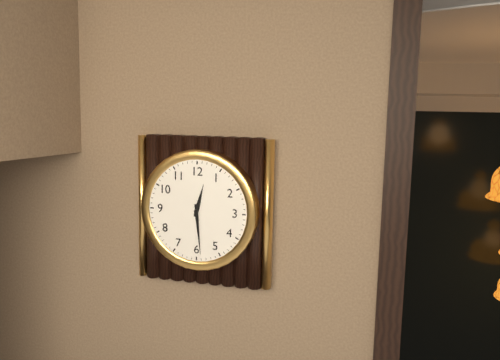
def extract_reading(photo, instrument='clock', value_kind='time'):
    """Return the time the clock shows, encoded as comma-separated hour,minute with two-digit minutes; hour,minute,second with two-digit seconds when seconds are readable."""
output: 12,29
